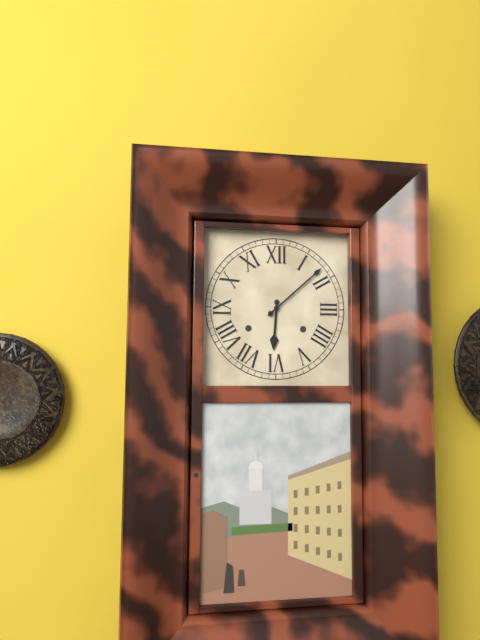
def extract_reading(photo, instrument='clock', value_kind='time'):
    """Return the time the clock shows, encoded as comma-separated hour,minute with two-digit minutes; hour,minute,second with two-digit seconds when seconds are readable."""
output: 6,08
